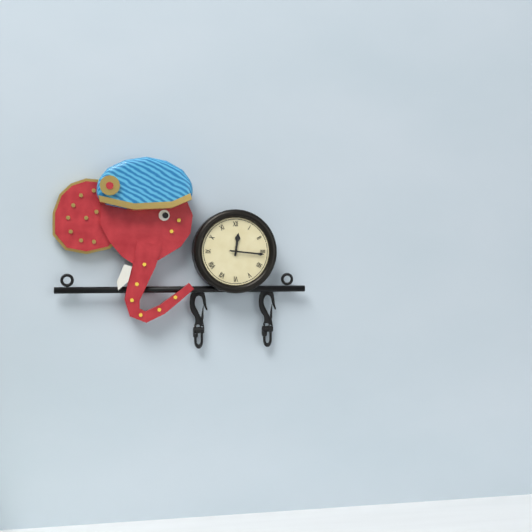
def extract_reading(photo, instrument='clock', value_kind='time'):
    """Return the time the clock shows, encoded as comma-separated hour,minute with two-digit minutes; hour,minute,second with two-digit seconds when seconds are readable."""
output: 12,16
